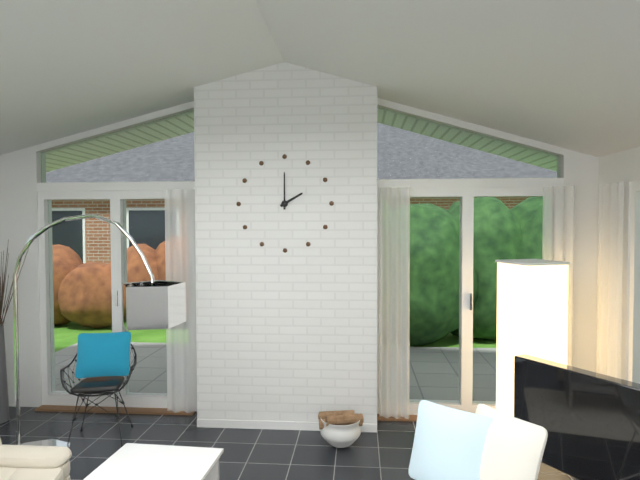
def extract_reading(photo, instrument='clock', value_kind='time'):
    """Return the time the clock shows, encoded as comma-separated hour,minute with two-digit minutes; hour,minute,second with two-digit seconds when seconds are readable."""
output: 2,00
